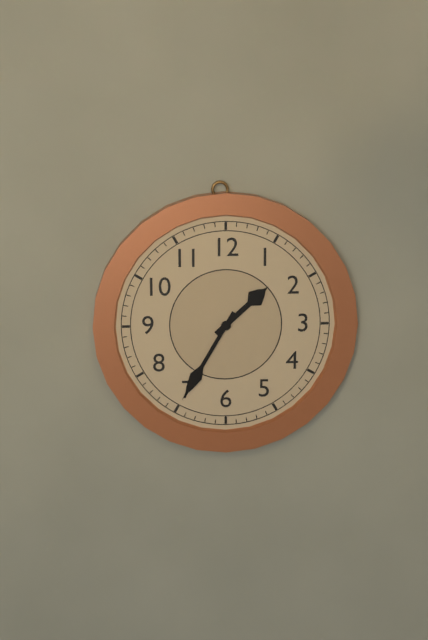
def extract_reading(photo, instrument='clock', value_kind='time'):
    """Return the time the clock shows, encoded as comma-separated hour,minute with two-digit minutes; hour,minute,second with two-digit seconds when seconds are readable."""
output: 1,35
